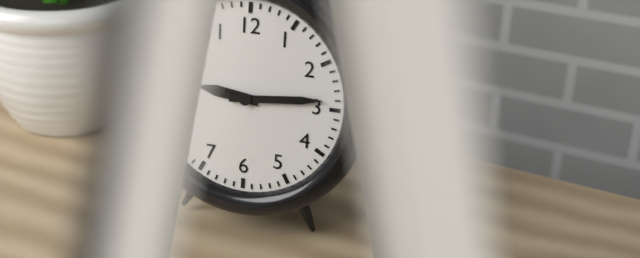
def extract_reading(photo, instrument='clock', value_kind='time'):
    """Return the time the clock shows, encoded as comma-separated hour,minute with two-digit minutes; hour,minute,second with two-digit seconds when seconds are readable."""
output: 9,14
